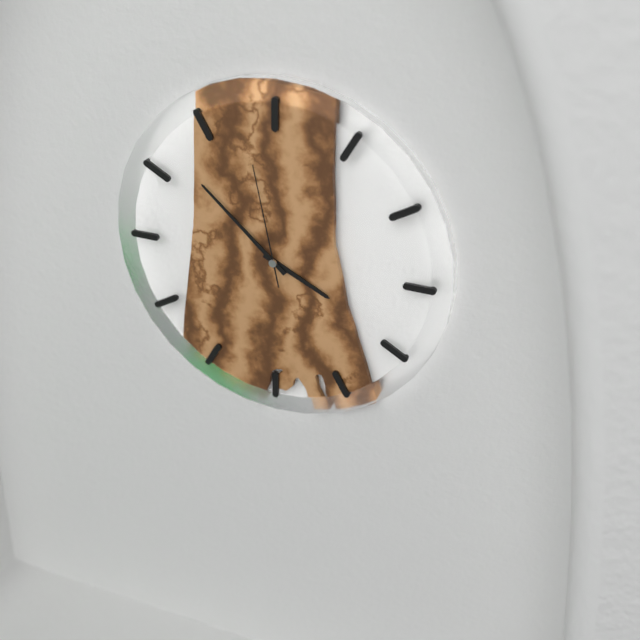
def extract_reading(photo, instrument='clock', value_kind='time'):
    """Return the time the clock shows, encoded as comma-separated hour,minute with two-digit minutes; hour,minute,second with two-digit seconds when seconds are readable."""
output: 3,52,58
